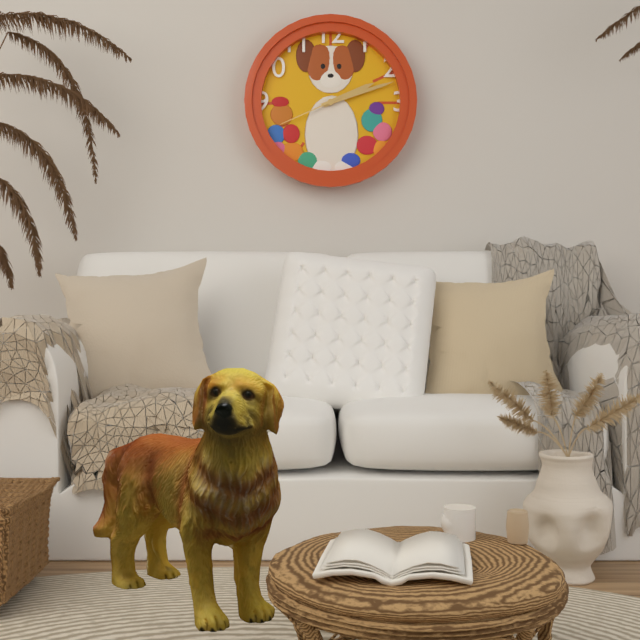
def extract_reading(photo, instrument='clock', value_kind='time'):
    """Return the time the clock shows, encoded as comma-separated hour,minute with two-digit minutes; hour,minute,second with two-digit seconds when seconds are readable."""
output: 2,12,41
